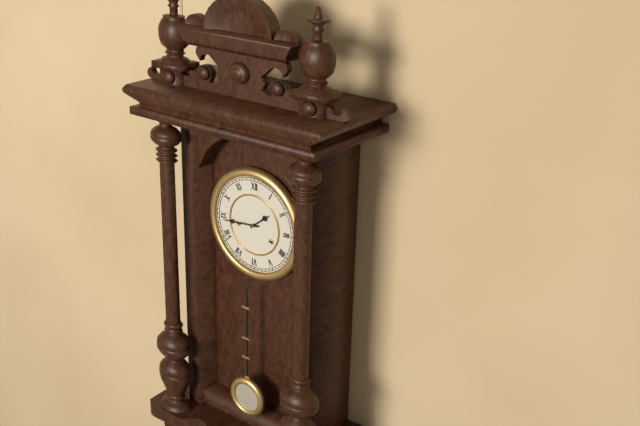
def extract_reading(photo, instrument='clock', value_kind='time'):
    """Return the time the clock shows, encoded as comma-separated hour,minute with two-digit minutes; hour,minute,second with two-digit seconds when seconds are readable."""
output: 1,44
